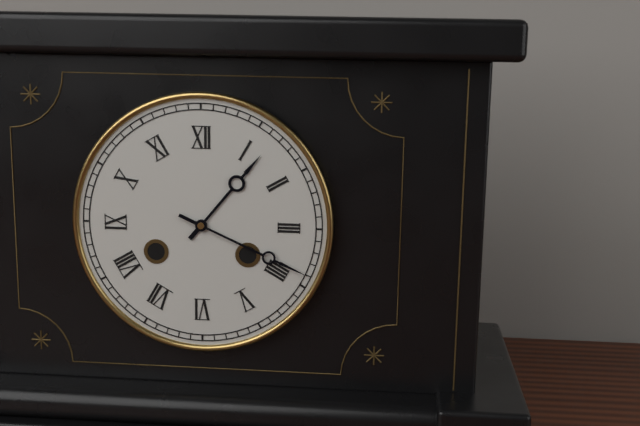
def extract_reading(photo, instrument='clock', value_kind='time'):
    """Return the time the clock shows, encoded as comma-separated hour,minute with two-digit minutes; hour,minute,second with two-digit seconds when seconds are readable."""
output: 1,19
